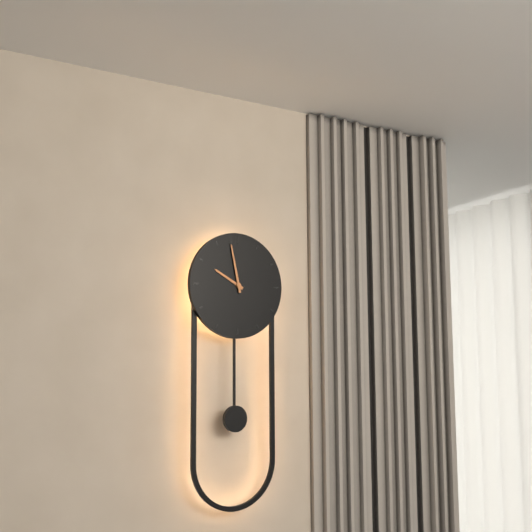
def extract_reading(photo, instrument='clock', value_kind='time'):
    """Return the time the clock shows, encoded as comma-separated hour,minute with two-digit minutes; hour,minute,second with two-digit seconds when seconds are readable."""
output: 9,58
